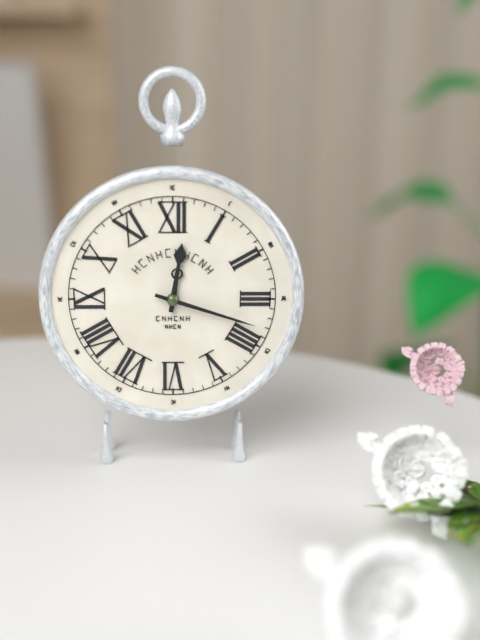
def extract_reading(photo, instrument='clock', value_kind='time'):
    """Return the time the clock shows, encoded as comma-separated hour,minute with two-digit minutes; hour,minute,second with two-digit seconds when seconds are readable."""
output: 12,18
